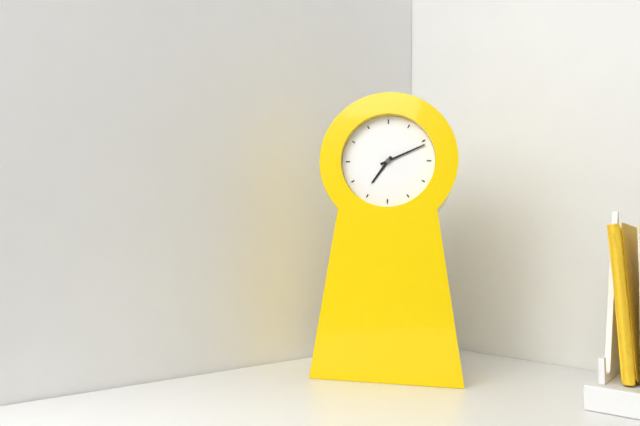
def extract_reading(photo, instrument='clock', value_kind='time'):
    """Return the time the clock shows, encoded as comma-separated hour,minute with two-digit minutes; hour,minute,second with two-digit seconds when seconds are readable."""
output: 7,11
